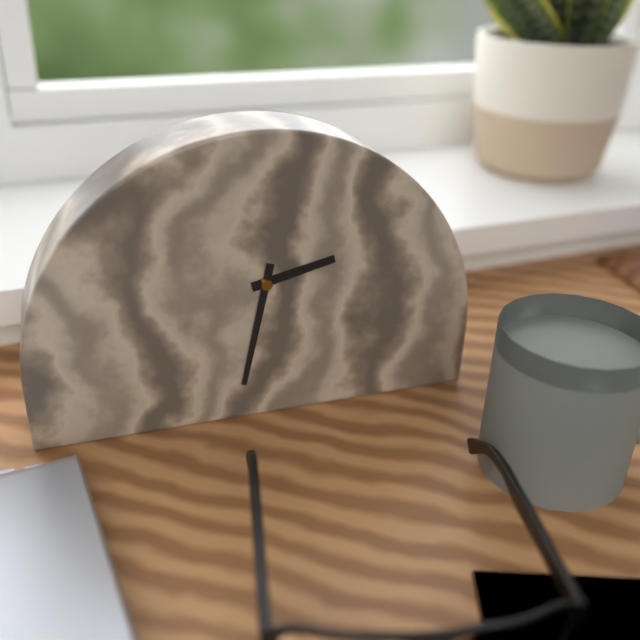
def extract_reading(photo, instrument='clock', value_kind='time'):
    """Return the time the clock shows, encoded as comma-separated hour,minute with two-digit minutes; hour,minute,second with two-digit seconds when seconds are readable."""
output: 2,32
